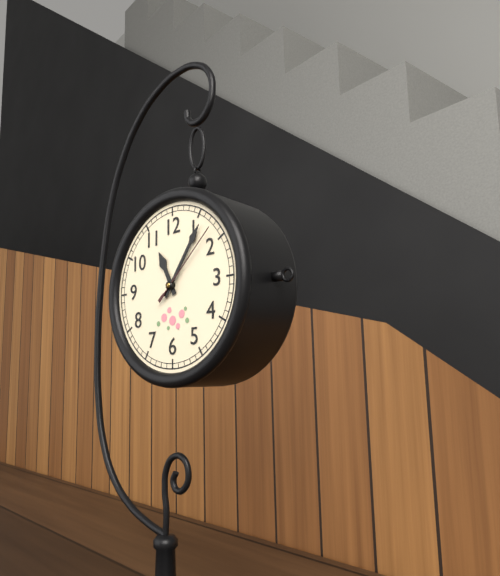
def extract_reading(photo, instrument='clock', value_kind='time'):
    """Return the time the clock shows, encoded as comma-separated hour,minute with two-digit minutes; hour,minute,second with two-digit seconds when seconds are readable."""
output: 11,06,08
